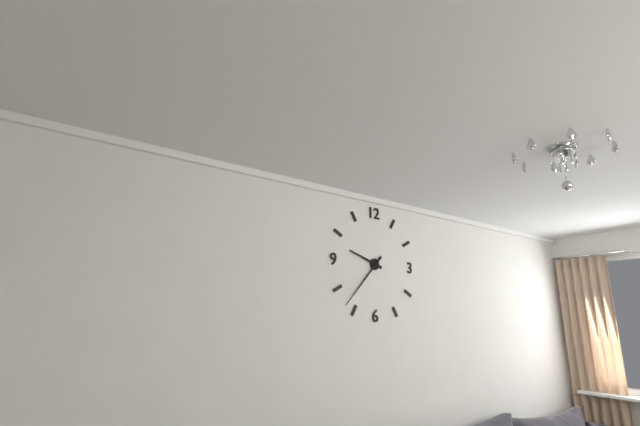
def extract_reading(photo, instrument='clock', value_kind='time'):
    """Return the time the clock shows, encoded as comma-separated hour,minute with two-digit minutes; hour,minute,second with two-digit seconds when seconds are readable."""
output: 9,37
